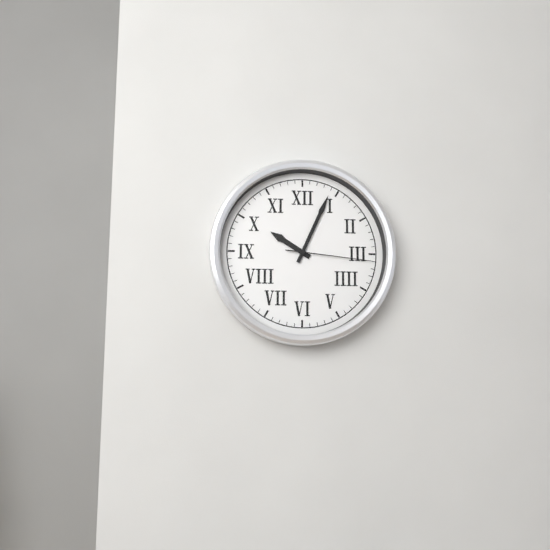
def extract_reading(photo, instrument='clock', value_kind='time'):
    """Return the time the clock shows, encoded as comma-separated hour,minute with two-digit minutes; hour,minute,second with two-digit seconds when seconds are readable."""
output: 10,04,16
